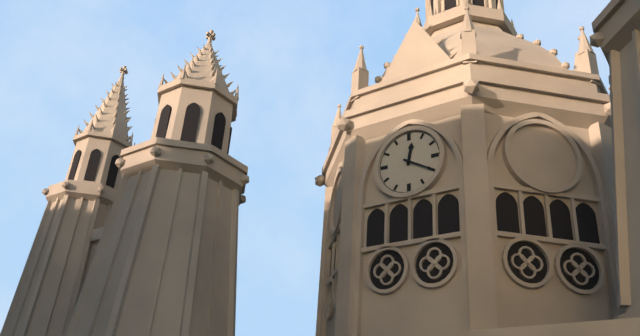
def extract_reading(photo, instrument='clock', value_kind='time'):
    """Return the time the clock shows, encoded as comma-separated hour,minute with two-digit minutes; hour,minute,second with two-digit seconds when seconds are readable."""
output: 12,20
